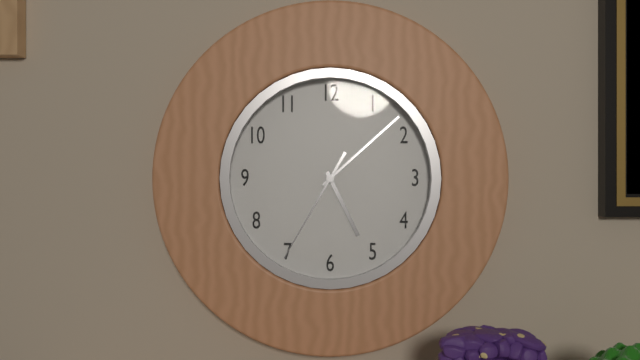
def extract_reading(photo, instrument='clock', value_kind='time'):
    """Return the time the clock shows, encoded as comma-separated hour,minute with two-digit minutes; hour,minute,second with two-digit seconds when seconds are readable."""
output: 5,08,35
